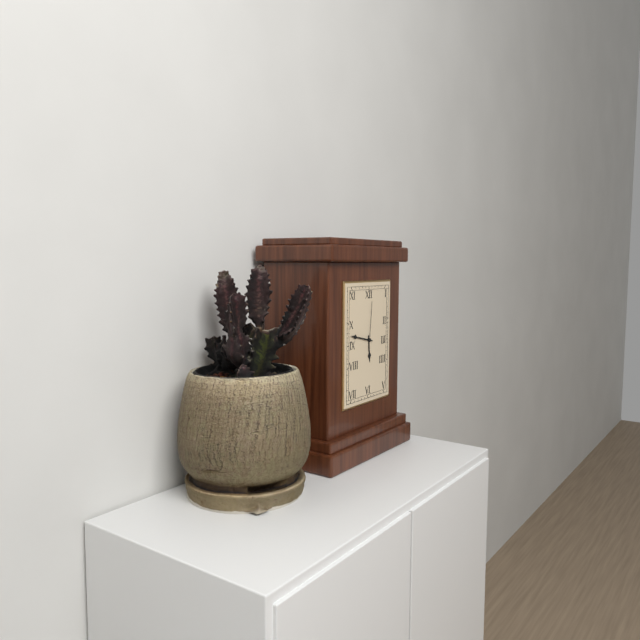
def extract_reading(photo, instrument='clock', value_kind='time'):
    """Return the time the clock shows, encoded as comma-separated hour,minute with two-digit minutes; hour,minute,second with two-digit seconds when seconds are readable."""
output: 5,47,01
